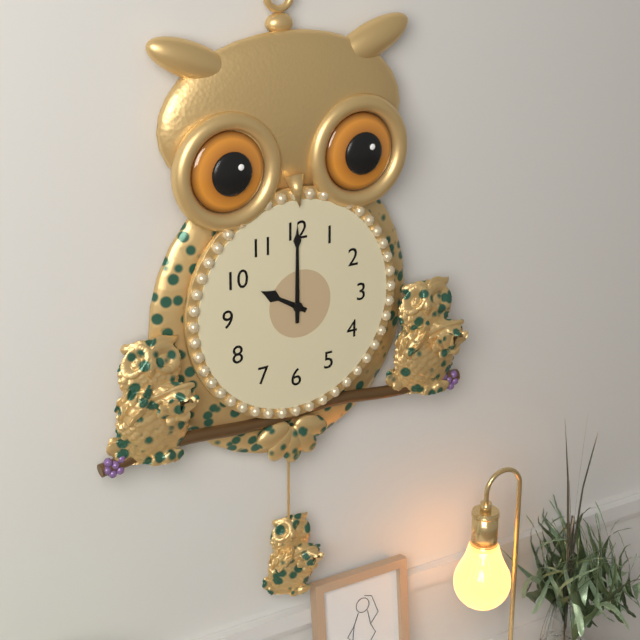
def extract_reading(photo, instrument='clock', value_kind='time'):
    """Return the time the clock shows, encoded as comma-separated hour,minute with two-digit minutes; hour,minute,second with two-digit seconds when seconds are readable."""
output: 10,00
